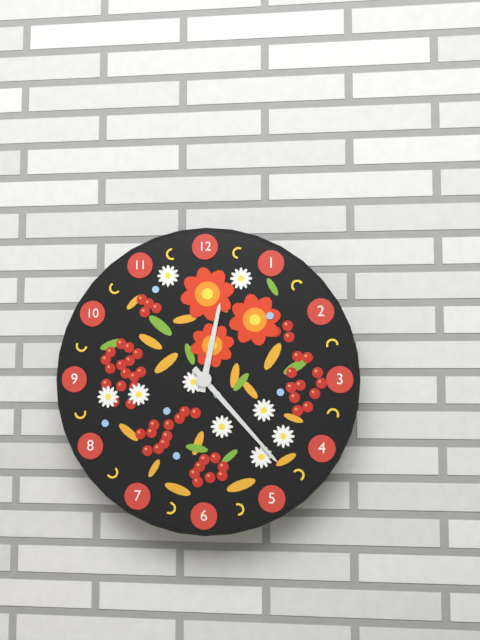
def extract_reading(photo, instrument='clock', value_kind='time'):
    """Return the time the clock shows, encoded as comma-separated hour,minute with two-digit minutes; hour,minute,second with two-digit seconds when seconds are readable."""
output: 12,23
